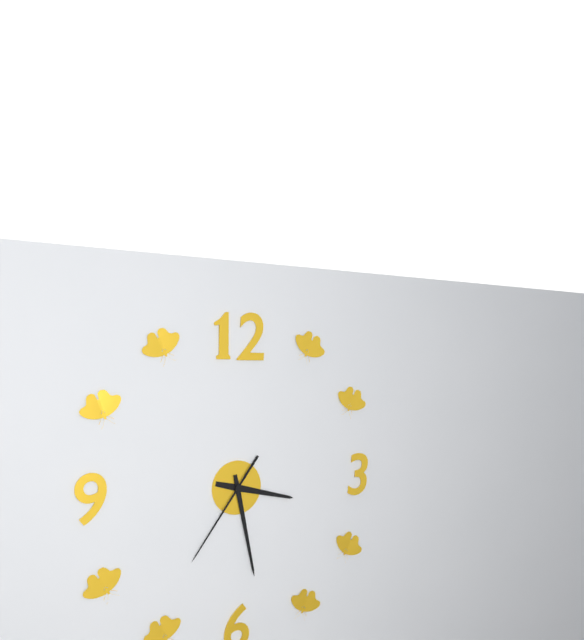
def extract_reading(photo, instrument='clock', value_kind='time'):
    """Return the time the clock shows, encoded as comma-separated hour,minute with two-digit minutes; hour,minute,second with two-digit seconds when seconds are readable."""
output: 3,28,36
